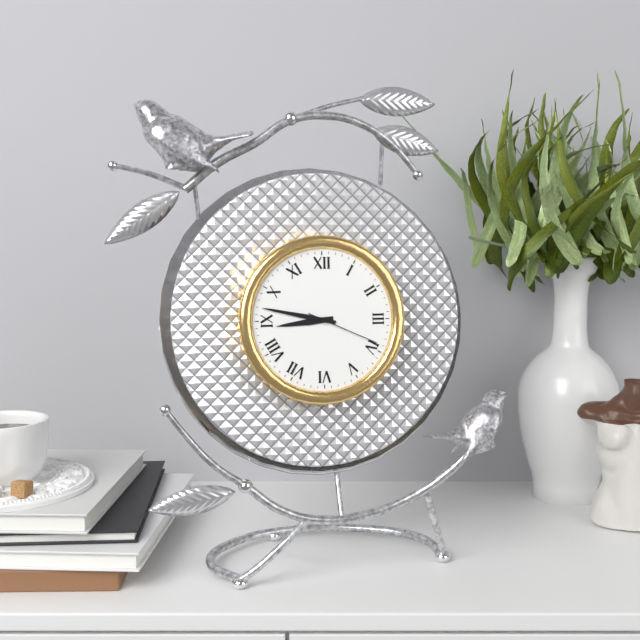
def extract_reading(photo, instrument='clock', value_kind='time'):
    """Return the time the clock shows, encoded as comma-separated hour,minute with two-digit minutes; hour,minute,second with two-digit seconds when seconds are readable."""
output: 8,47,19
